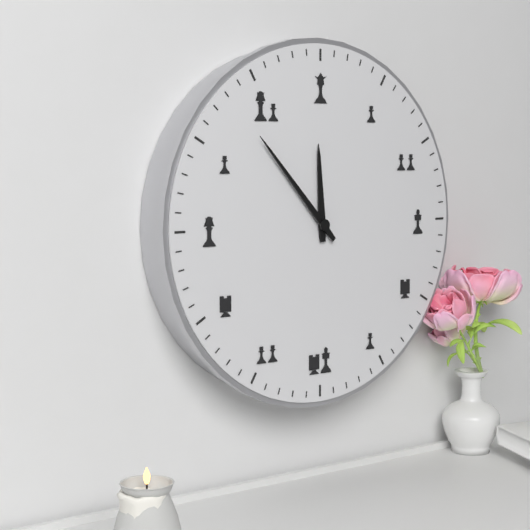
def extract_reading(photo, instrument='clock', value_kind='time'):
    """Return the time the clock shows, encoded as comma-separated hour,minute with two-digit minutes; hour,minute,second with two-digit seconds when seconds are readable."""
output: 11,53
